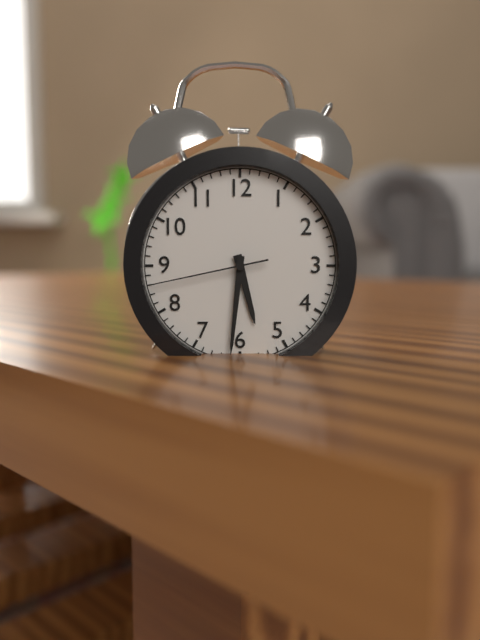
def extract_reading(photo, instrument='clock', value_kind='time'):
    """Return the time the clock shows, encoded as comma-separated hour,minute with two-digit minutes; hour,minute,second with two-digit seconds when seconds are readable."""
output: 5,31,43
